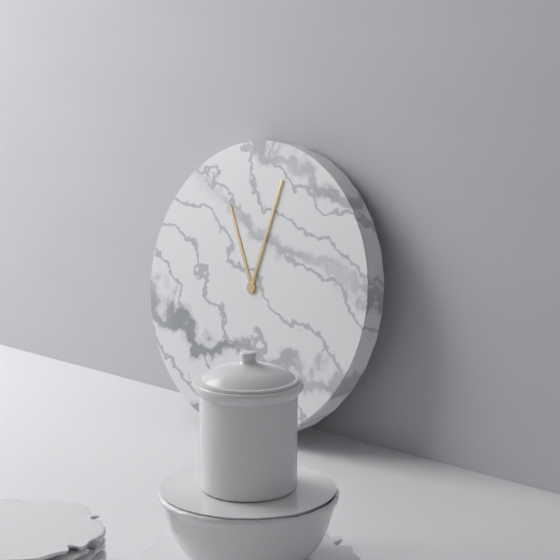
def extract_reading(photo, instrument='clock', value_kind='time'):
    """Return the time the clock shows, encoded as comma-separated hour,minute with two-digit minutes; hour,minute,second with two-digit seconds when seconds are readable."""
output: 11,02
